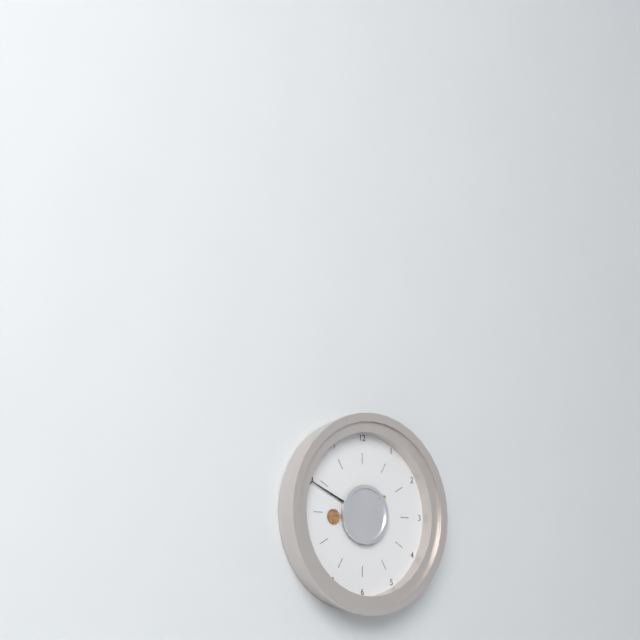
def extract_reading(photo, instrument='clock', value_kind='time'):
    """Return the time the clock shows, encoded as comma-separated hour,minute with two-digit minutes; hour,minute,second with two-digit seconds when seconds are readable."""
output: 8,49
